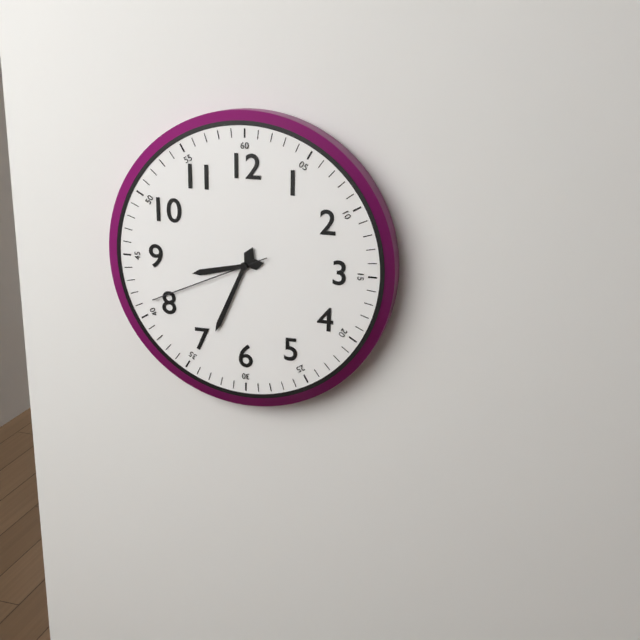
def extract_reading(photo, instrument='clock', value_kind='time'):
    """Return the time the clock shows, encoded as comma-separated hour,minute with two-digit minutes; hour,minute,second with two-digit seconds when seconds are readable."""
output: 8,34,41
